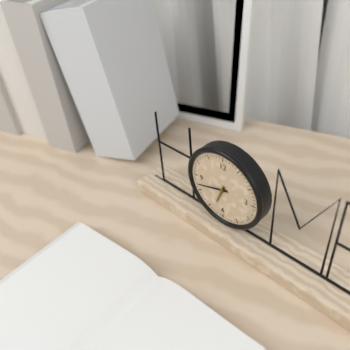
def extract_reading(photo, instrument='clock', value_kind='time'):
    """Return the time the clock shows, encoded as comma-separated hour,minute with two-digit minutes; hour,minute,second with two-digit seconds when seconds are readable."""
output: 6,42
